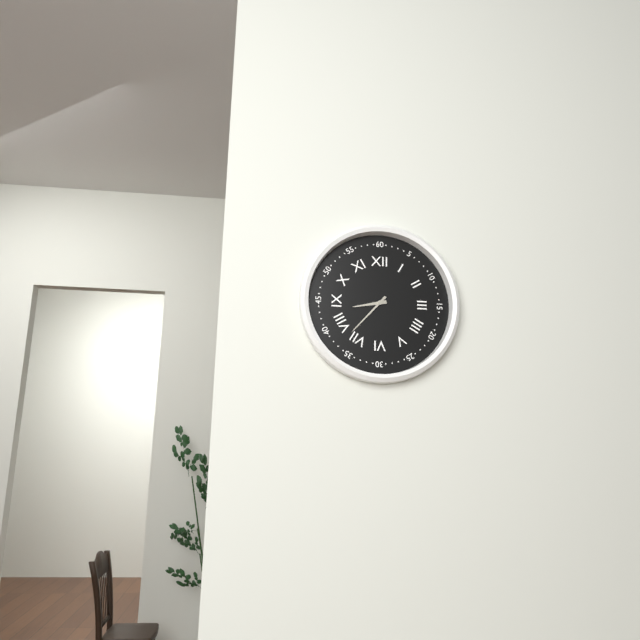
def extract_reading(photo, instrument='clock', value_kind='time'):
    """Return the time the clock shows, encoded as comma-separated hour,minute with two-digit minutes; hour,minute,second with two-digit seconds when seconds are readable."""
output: 8,37
